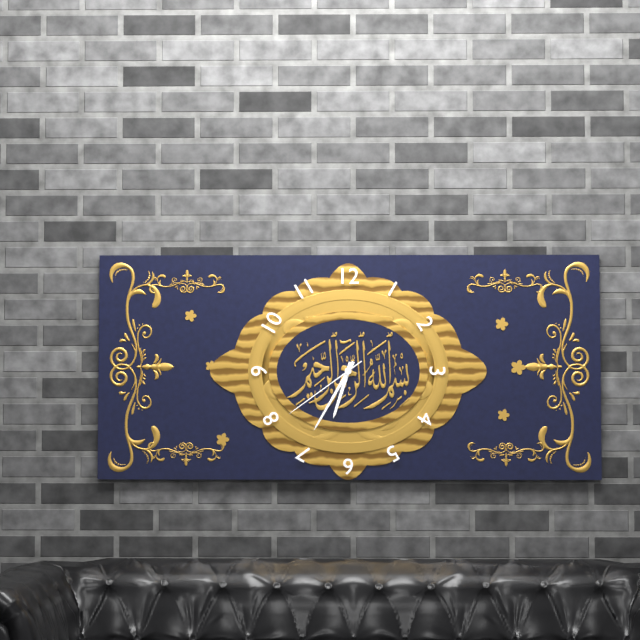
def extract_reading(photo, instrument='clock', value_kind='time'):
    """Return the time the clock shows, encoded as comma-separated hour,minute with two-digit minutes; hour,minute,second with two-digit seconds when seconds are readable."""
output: 6,35,39
